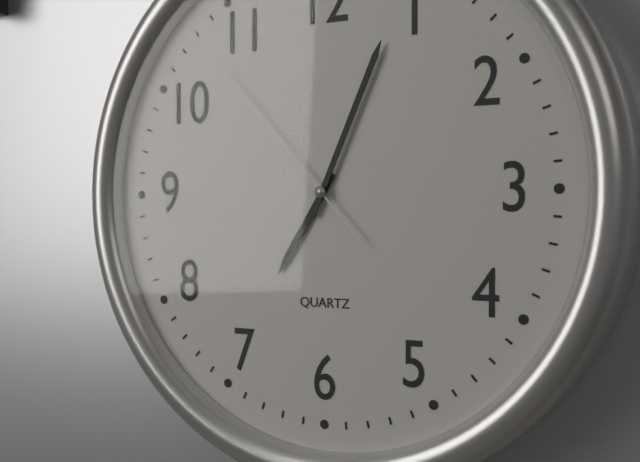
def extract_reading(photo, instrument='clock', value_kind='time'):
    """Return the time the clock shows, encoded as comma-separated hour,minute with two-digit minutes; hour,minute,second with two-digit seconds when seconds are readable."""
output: 7,04,53
